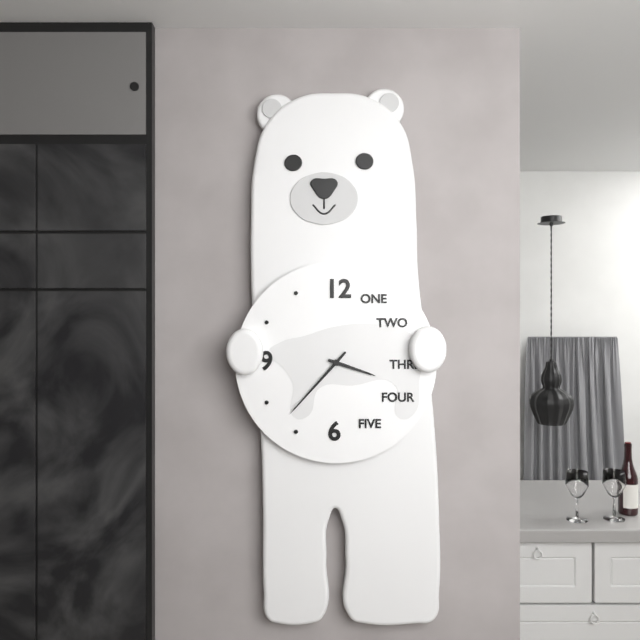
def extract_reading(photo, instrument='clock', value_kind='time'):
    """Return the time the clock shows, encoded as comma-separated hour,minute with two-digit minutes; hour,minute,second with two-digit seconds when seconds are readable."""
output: 3,37
